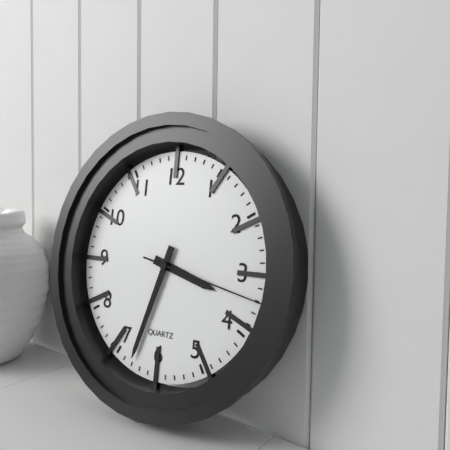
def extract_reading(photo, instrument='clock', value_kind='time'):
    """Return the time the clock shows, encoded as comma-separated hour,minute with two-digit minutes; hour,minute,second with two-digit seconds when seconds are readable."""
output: 3,33,17
